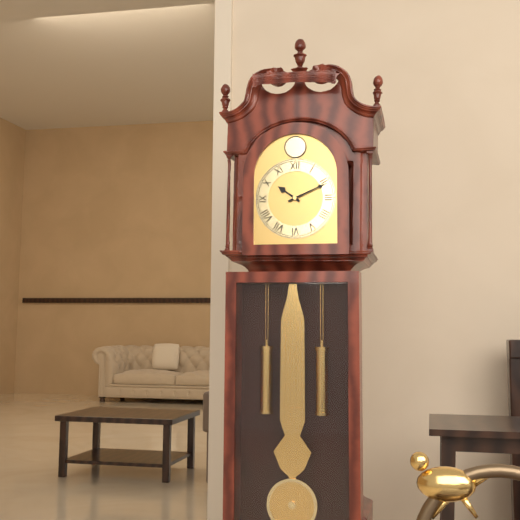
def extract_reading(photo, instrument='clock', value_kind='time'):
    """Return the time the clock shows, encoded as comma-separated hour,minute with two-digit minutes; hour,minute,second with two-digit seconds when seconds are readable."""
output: 10,11
